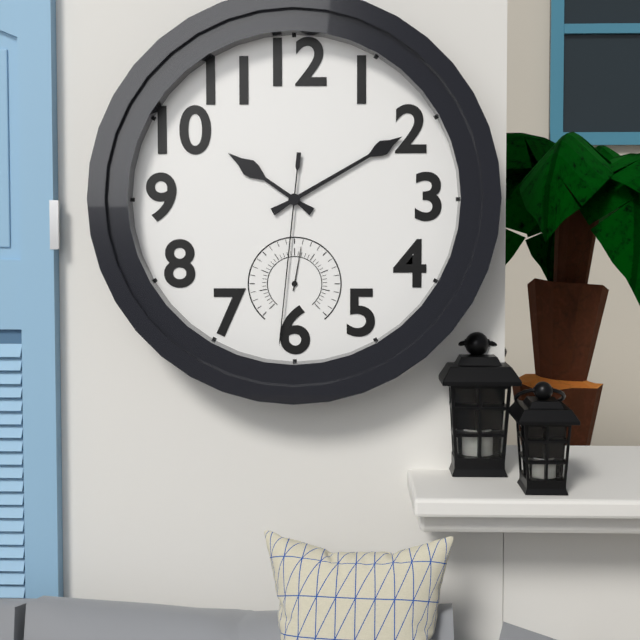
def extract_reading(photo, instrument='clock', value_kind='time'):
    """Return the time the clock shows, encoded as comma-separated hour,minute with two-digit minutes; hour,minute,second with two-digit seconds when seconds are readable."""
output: 10,10,31
